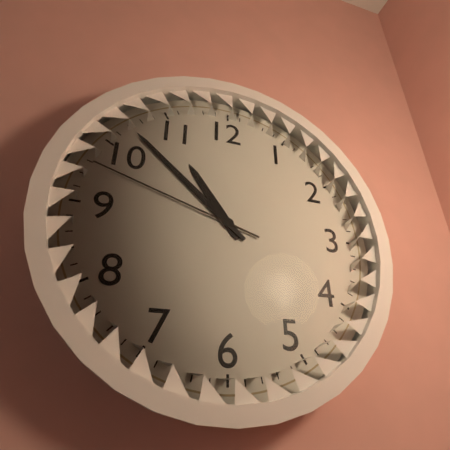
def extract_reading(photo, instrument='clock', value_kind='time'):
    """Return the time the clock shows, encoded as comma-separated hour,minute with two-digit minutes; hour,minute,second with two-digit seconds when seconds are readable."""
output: 10,52,48
